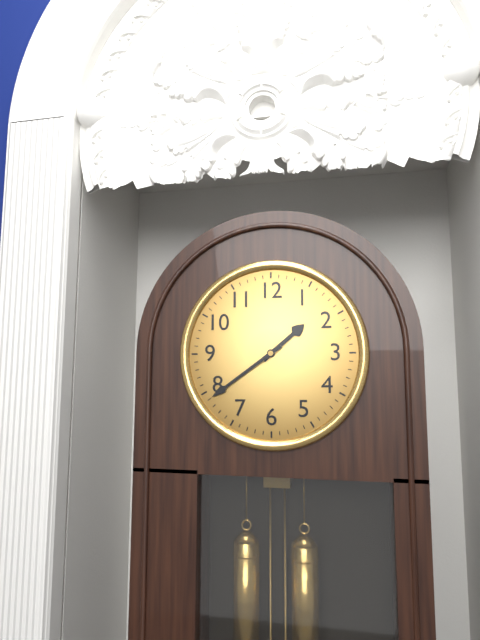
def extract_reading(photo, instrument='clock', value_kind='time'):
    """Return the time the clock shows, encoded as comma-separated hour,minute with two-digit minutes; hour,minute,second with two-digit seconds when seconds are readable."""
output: 1,39
